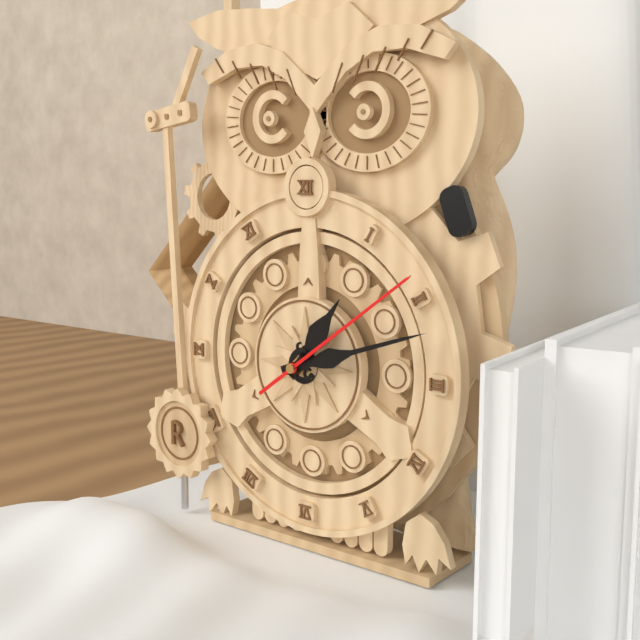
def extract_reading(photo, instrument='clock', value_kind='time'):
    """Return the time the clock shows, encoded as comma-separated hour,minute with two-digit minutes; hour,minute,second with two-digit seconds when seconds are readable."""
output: 1,12,09
